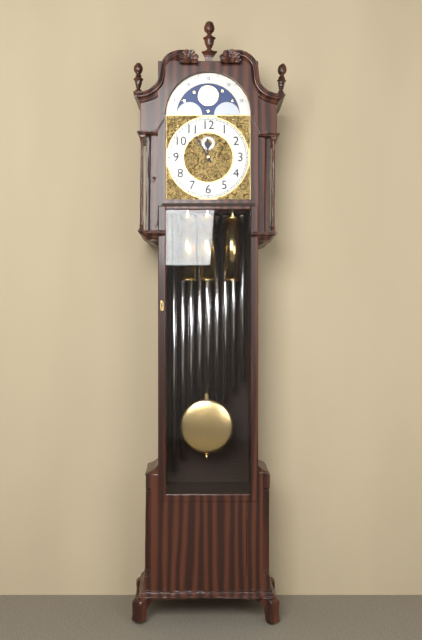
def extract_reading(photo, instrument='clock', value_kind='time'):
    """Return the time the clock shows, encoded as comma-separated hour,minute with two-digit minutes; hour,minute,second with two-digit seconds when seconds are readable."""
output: 11,55
